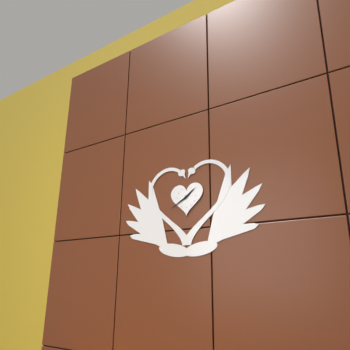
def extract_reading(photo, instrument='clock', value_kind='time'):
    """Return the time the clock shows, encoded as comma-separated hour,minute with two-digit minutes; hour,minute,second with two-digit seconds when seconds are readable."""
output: 1,40
